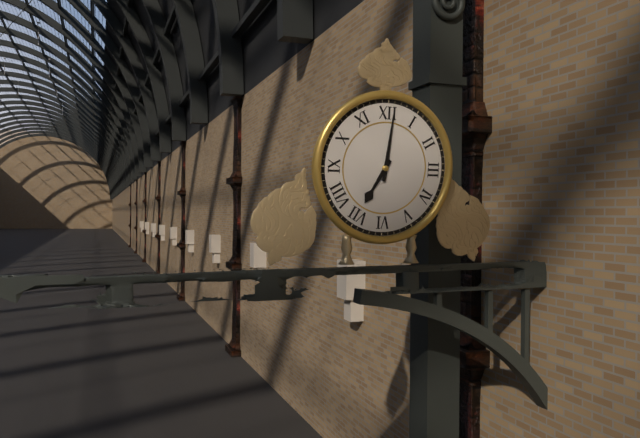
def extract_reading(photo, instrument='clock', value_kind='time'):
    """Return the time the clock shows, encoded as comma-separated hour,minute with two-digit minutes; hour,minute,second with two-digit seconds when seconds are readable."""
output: 7,01
